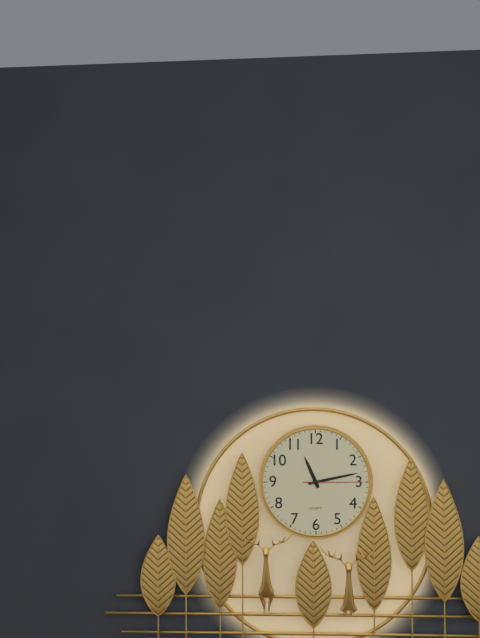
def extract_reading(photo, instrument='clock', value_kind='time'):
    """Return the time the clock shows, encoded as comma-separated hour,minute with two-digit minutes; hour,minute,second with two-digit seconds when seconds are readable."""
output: 11,13,15
